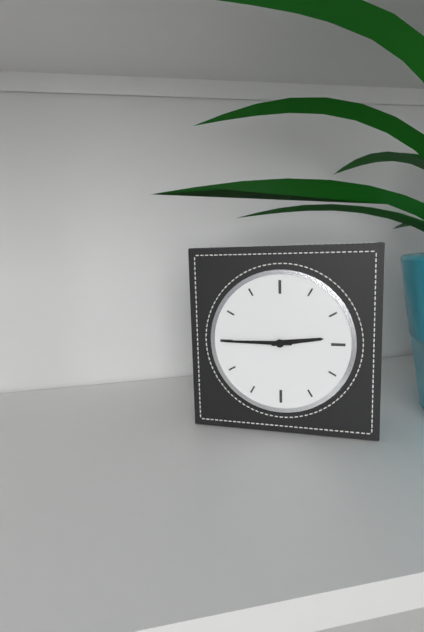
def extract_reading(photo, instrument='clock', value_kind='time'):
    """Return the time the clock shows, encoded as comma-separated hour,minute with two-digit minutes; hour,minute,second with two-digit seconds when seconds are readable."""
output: 2,45
